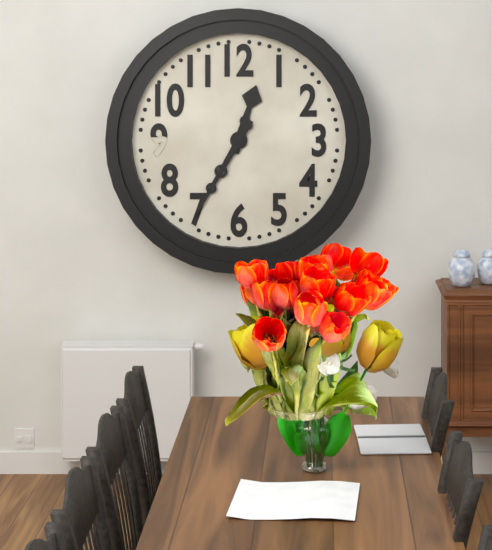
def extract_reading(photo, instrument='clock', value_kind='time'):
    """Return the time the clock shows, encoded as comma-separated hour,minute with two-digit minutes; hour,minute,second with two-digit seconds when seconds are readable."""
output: 12,35
